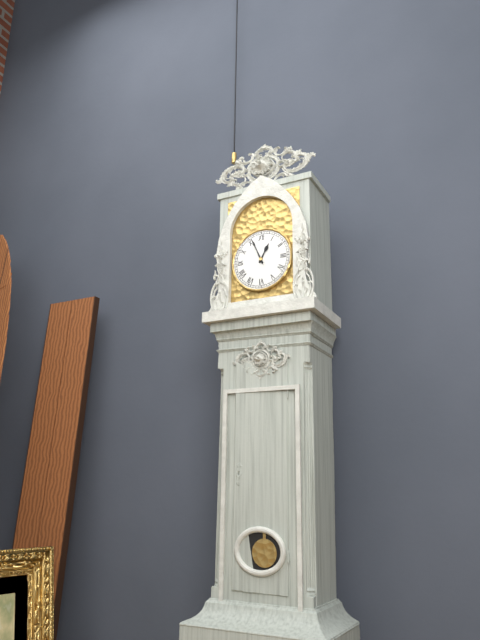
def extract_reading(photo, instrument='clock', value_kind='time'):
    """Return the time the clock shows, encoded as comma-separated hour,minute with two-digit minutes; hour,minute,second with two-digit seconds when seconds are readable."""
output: 12,56
